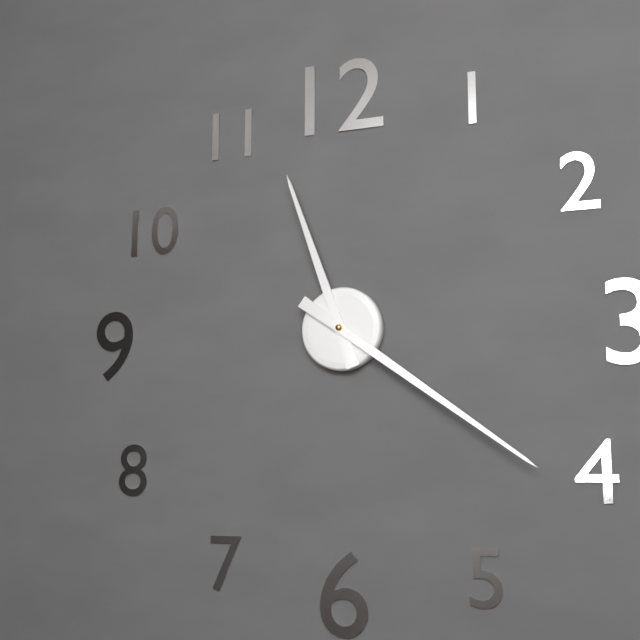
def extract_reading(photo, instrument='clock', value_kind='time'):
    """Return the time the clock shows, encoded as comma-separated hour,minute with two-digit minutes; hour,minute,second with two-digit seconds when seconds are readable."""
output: 11,21
